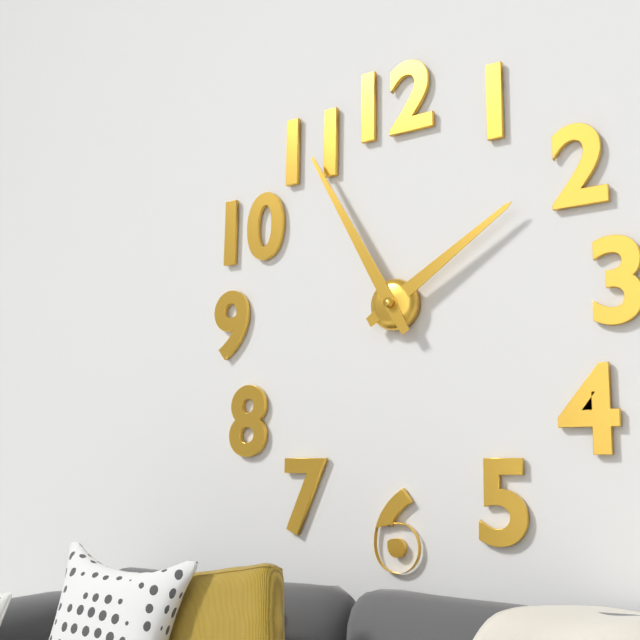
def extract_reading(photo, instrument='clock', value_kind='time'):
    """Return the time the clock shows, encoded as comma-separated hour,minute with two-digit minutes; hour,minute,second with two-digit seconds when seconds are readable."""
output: 1,55
